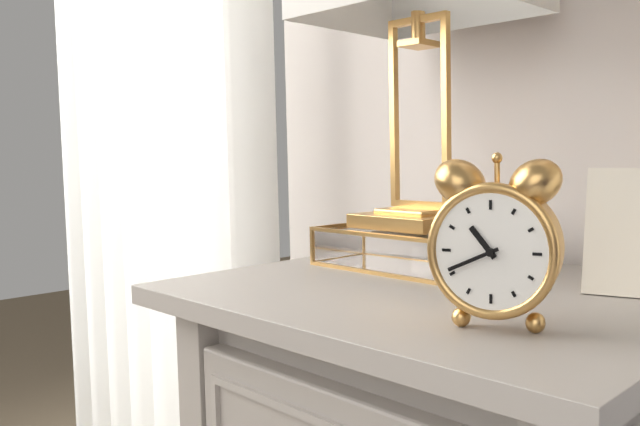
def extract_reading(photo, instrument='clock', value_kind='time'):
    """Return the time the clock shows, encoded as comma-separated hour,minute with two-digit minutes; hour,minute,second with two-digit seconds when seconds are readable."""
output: 10,41
